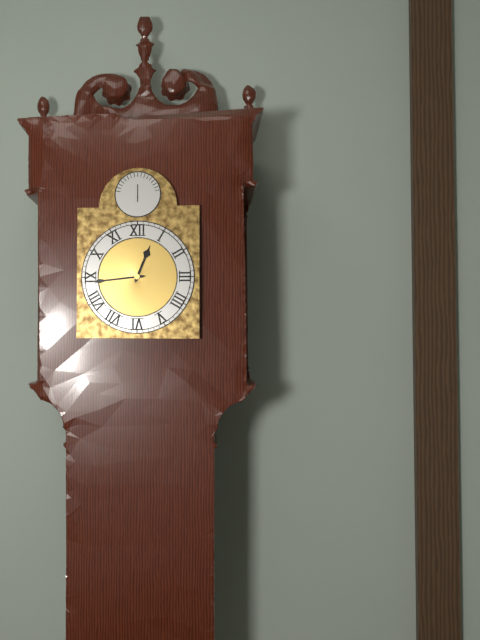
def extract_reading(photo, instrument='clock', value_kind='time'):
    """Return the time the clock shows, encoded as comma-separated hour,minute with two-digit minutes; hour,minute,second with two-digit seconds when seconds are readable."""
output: 12,44
